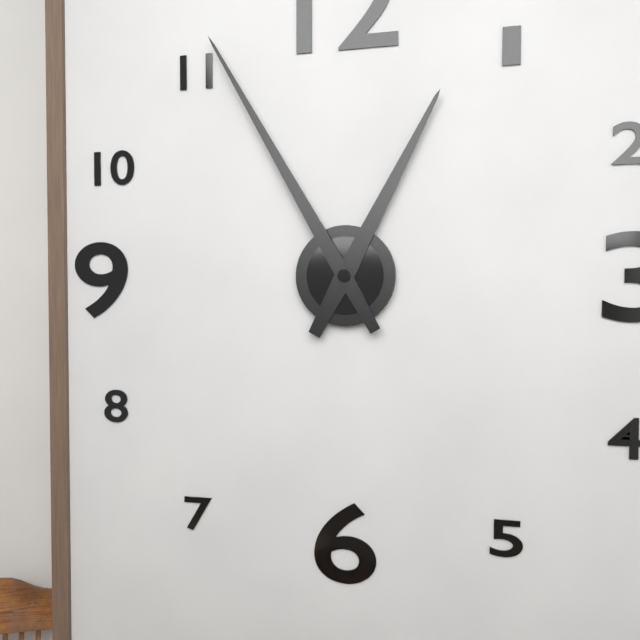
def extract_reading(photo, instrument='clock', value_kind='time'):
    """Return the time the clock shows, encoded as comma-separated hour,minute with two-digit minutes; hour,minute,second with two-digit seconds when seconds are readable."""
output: 12,55
